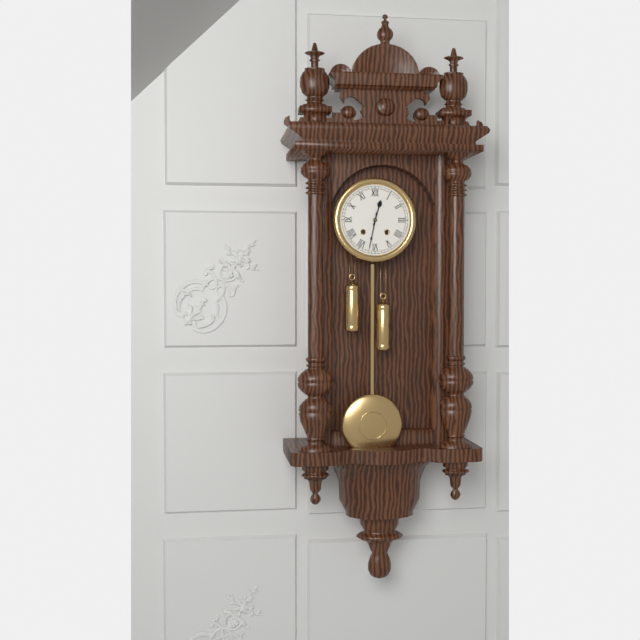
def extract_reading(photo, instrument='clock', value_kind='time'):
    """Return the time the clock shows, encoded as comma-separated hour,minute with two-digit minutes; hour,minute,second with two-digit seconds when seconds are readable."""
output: 12,32
